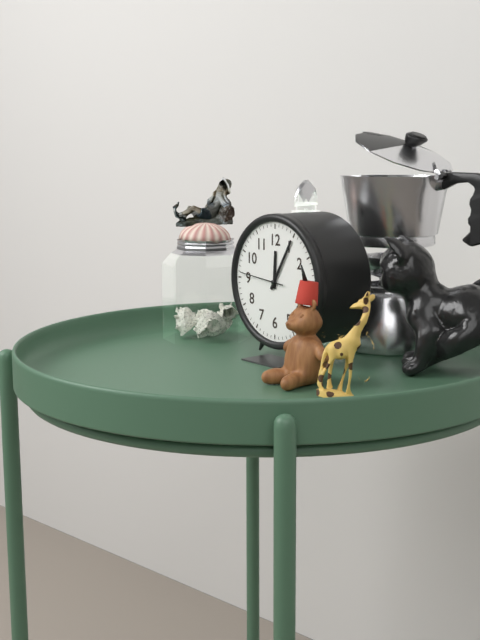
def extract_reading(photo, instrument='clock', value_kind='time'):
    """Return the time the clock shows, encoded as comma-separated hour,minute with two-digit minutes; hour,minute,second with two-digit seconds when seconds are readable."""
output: 12,05
